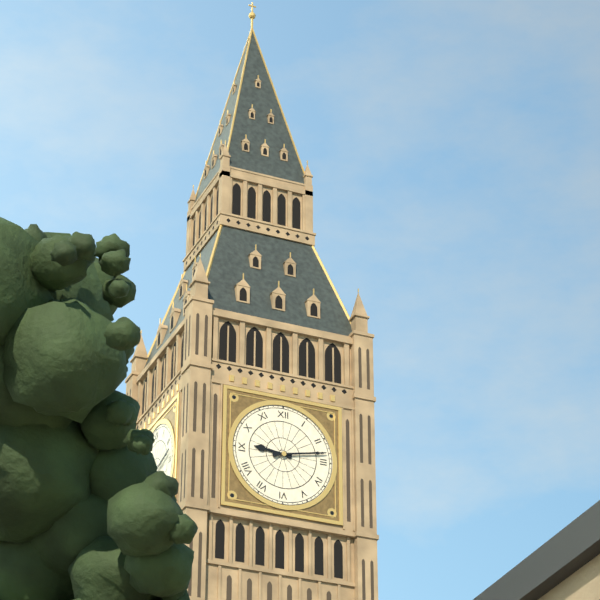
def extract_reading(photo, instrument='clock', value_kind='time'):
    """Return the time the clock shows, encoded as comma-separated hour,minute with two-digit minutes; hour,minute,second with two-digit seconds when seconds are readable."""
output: 9,13
